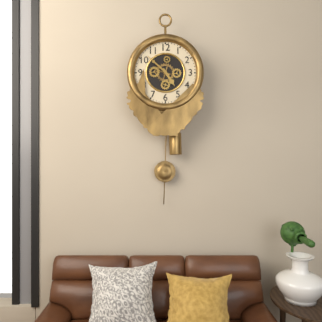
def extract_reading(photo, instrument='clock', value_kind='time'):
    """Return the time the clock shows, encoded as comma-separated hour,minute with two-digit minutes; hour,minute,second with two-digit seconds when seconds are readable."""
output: 4,52
